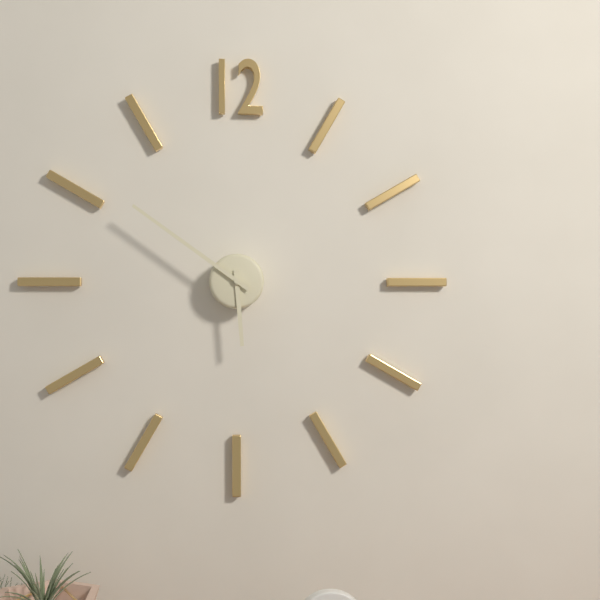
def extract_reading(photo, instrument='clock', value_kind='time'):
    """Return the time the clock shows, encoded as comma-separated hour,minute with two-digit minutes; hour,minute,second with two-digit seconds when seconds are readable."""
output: 5,51
